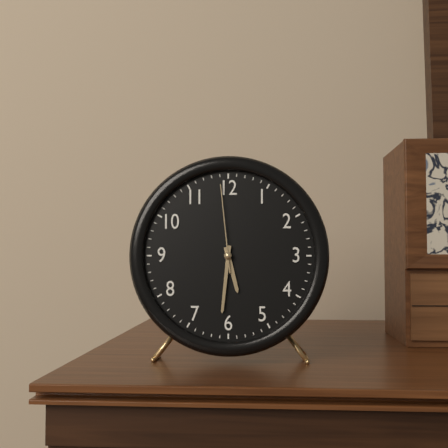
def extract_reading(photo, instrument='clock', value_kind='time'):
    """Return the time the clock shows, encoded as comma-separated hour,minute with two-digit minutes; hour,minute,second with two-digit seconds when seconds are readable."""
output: 5,31,59
